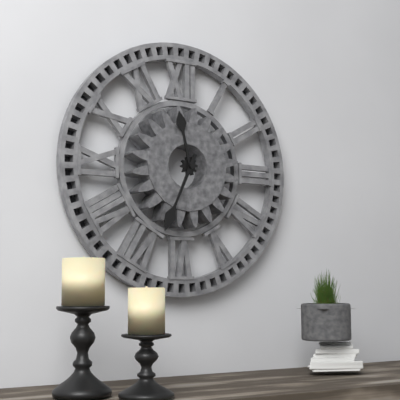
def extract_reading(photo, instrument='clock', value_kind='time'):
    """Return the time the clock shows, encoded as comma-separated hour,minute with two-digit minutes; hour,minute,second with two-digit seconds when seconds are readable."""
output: 11,34
